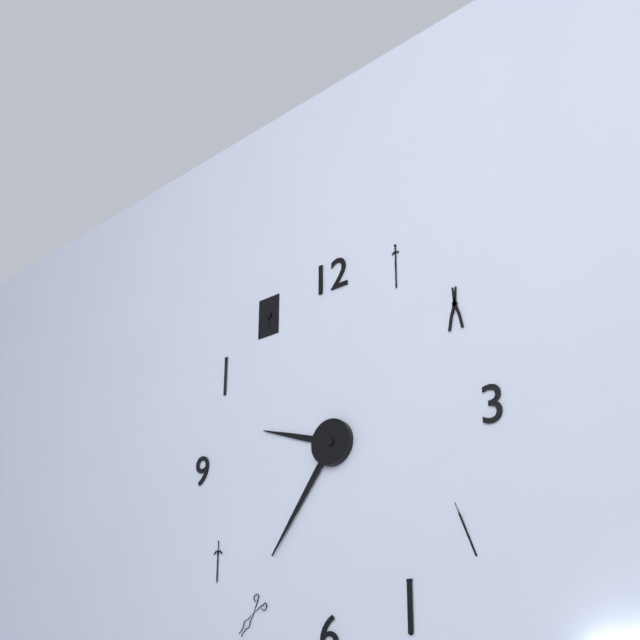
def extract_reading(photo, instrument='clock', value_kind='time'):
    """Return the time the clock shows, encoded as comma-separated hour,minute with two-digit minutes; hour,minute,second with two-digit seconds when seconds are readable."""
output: 9,36
